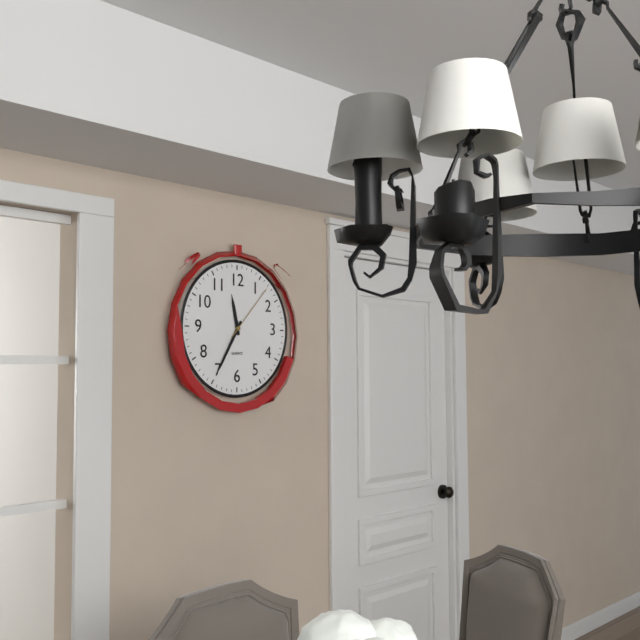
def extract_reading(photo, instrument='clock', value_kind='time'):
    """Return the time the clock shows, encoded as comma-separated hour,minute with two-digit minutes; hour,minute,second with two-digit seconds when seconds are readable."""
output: 11,35,07
